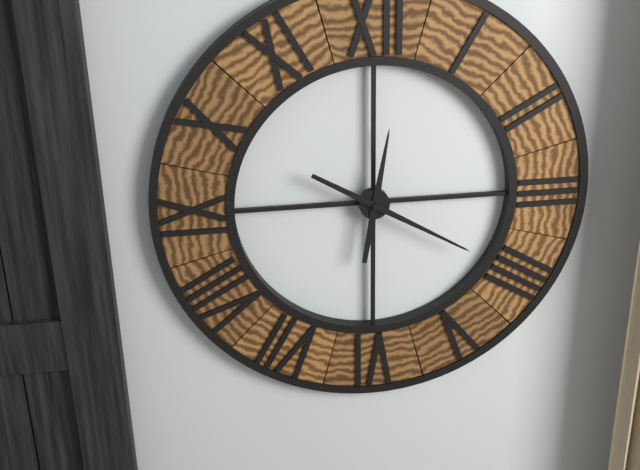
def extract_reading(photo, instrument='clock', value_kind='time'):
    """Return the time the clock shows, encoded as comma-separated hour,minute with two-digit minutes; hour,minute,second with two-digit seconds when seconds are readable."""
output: 12,20
